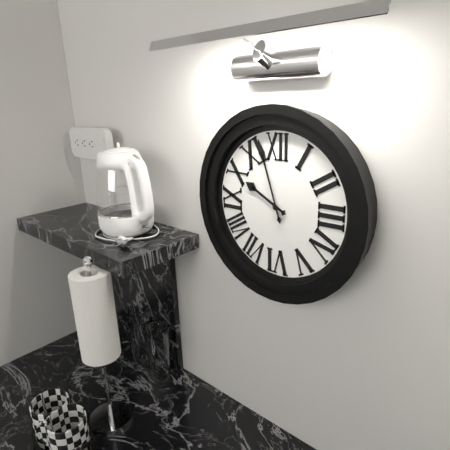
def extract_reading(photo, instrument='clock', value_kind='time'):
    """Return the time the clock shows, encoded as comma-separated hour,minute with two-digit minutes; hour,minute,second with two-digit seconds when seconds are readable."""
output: 9,57
